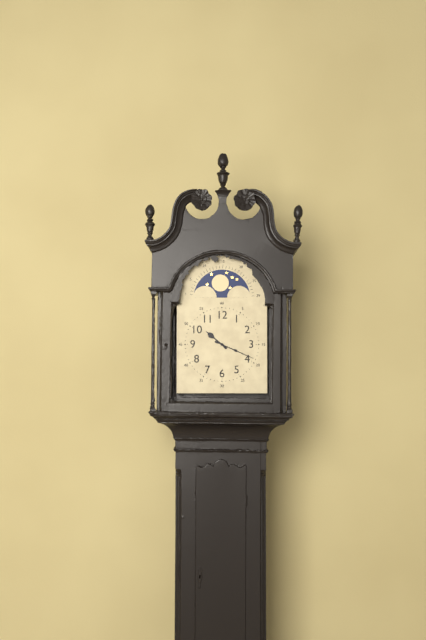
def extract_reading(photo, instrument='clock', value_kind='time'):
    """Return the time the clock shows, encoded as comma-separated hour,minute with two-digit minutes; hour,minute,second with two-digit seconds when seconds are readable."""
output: 10,19
